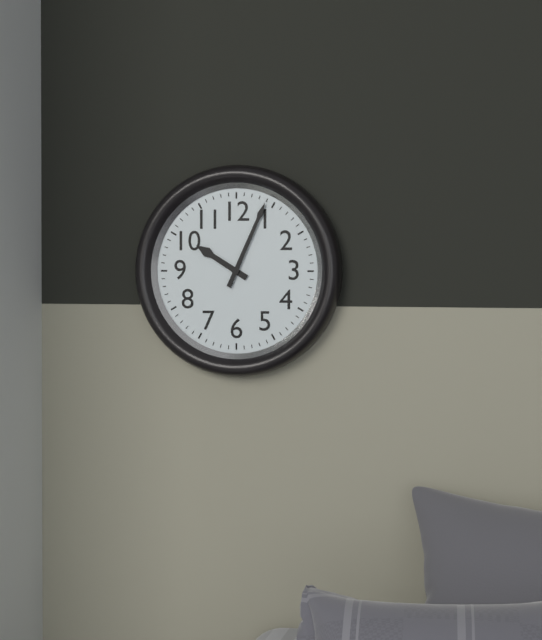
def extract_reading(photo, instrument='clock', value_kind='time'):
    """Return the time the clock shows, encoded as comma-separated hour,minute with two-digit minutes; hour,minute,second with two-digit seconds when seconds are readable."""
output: 10,04
